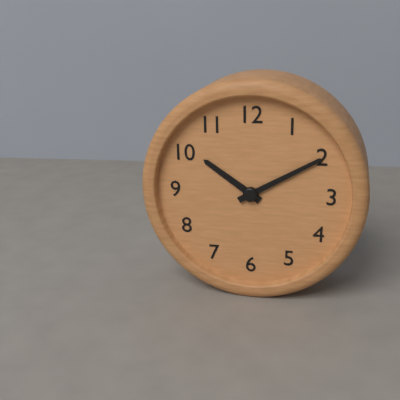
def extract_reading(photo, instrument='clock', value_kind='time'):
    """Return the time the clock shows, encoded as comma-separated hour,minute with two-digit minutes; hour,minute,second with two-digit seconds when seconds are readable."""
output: 10,10
